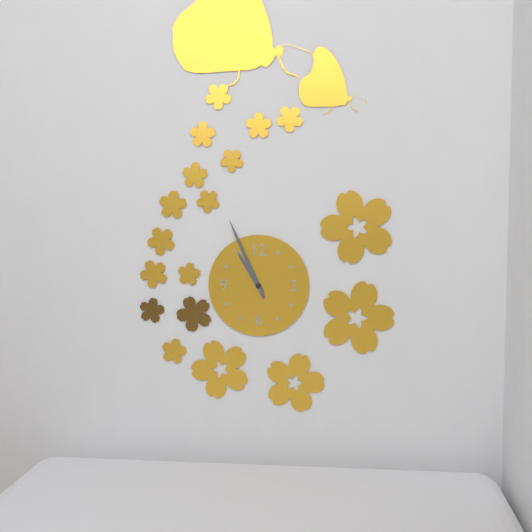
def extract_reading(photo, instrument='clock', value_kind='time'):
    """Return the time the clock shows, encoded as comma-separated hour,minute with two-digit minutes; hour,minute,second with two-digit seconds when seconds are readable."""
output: 10,56
